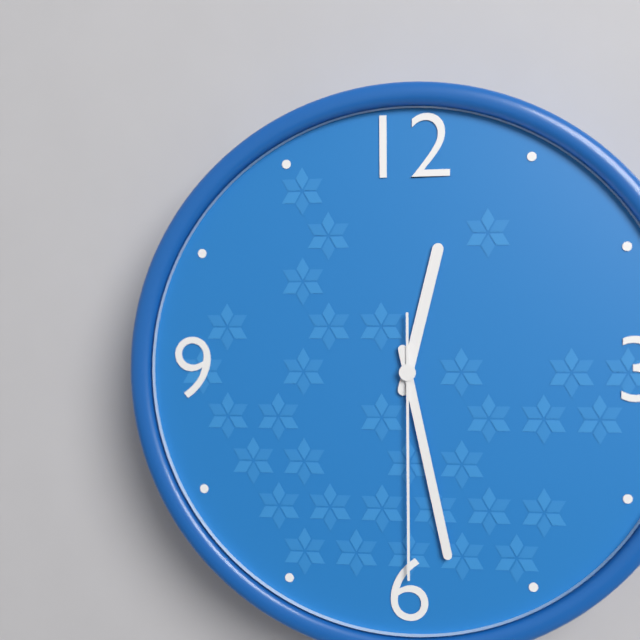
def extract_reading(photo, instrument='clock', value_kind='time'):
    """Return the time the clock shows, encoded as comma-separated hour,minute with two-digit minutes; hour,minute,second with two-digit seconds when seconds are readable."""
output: 12,28,30
